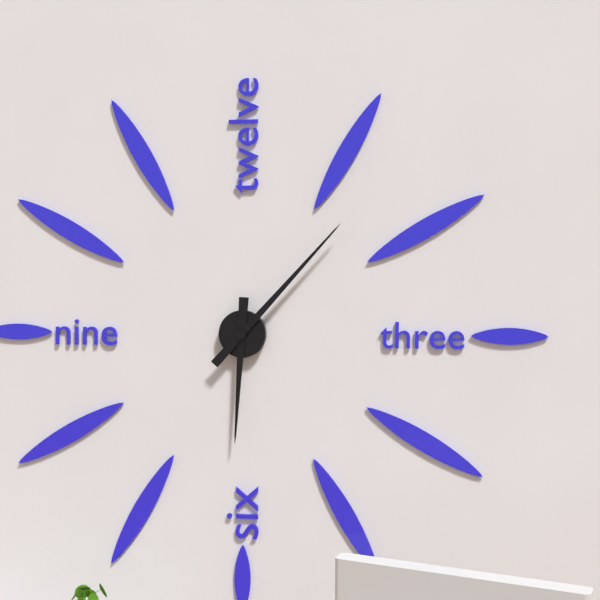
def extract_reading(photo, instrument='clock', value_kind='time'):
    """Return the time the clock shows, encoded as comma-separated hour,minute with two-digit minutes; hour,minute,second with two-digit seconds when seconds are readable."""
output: 6,07
